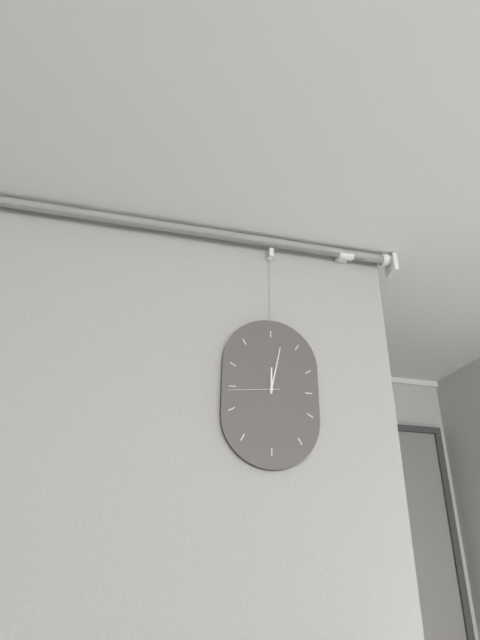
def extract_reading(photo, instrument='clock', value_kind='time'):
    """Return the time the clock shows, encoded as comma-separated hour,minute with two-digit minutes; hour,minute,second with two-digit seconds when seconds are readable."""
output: 12,02,44
